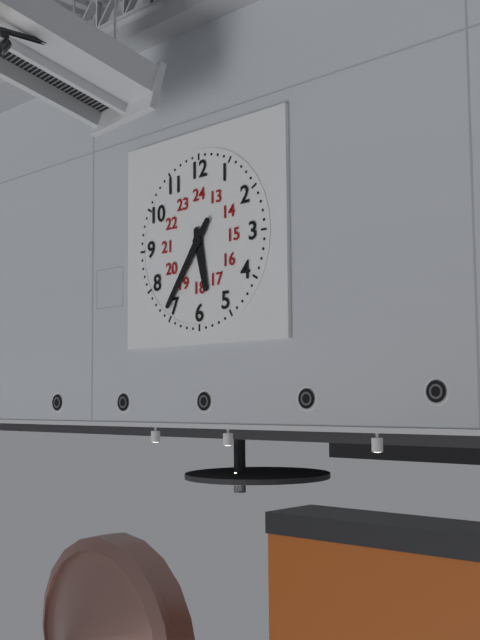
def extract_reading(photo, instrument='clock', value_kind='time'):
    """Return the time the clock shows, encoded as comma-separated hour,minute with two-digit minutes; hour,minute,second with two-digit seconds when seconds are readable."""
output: 5,36
